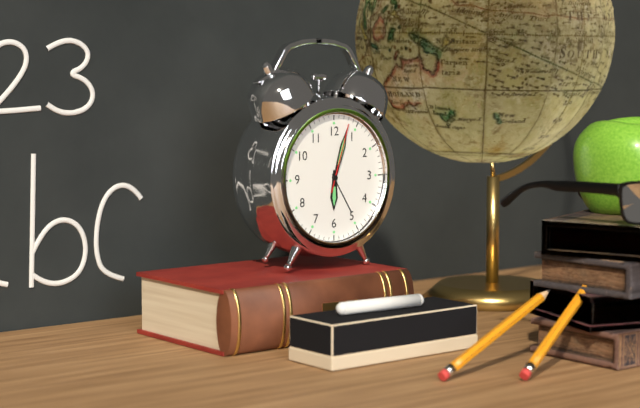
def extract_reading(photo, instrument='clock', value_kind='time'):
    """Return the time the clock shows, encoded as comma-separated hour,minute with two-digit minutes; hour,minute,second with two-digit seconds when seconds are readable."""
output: 6,03,03
